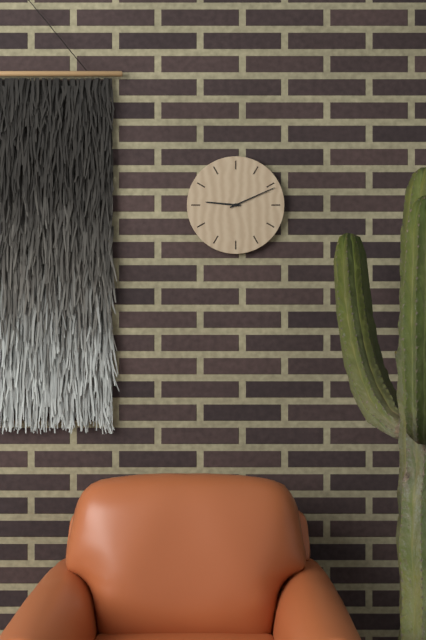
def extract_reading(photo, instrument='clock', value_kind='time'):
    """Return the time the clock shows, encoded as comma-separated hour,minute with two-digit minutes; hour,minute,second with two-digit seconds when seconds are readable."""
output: 9,11
